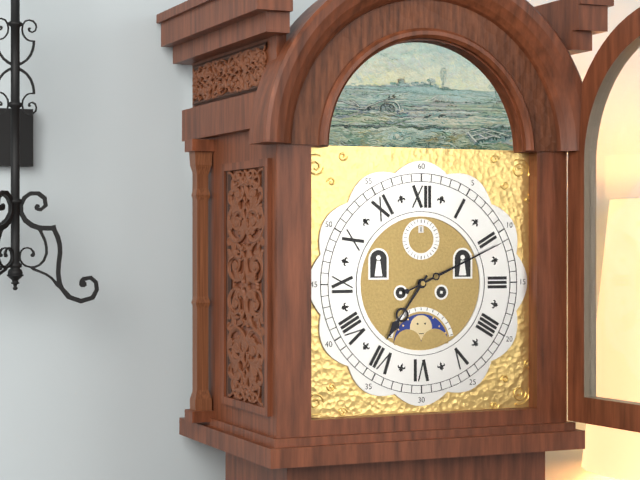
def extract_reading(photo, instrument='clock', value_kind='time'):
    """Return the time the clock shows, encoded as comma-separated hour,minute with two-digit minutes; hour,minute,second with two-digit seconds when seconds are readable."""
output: 7,11
